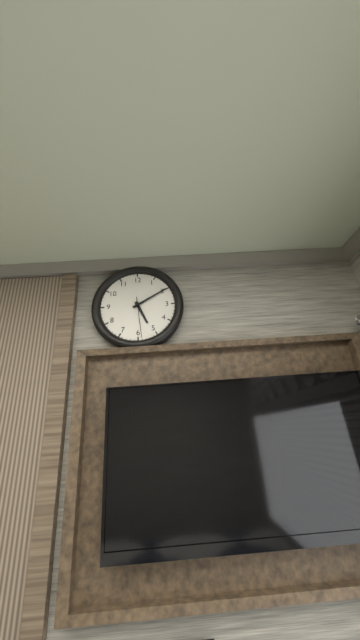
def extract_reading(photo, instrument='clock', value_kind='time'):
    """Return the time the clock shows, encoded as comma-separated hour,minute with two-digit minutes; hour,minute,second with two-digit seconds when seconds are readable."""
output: 5,10
